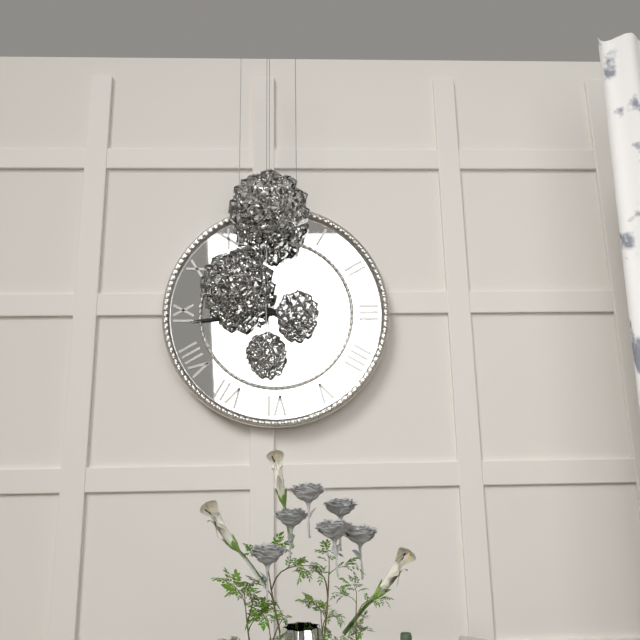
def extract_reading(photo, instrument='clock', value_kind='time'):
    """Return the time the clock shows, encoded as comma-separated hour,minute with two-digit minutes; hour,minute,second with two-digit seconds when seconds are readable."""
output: 9,44
